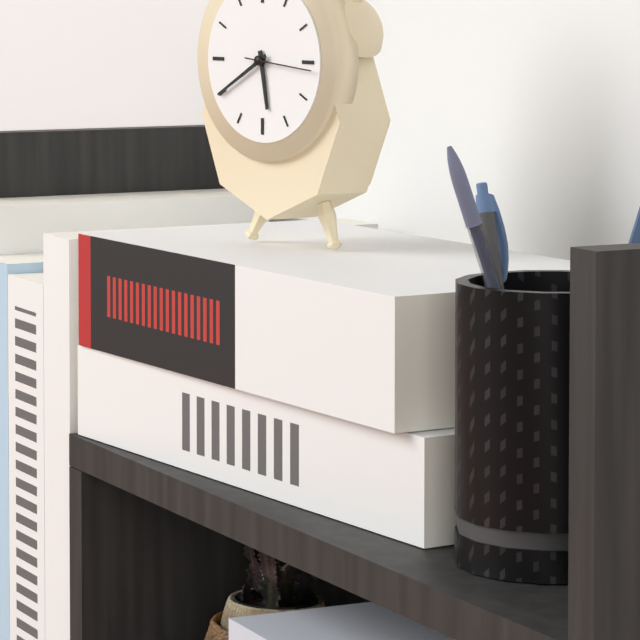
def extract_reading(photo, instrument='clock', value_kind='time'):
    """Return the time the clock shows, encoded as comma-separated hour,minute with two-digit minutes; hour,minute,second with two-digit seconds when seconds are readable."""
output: 5,40,16
